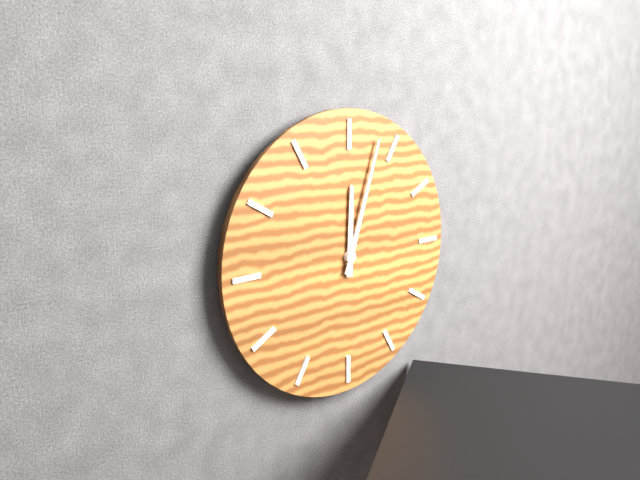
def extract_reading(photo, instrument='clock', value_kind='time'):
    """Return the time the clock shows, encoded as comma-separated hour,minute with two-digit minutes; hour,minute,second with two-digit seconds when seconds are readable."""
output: 12,03
